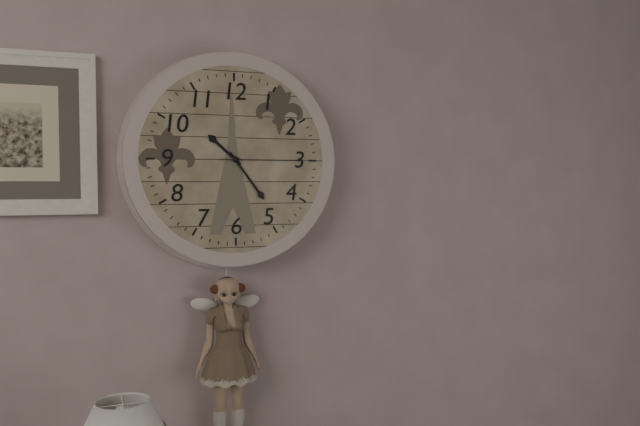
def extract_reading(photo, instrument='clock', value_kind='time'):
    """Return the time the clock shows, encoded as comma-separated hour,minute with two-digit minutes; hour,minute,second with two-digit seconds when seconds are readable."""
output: 10,24,15
